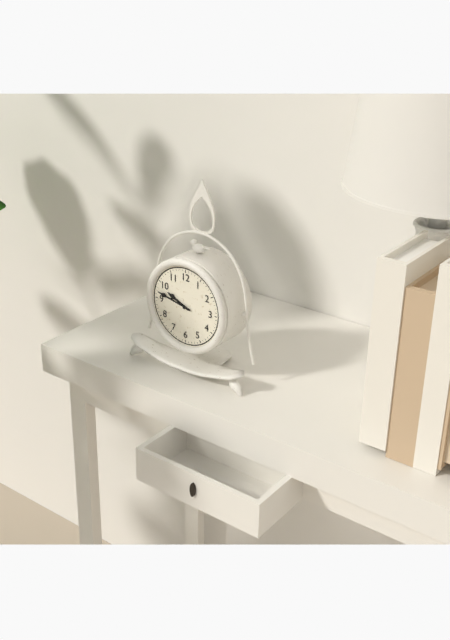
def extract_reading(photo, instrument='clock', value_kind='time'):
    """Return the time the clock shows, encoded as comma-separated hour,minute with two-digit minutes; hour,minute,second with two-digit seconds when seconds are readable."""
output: 9,47
